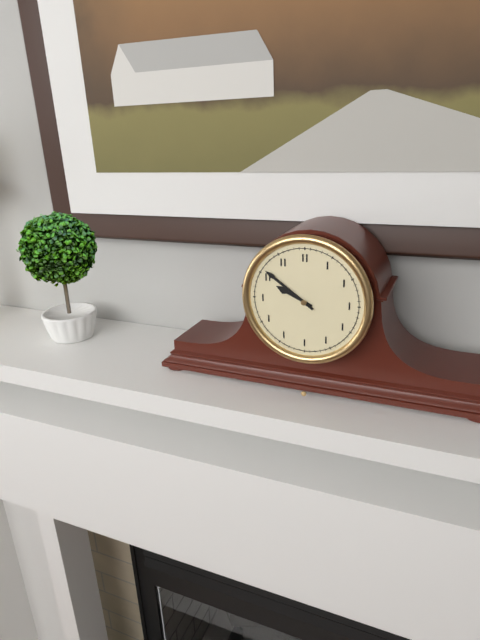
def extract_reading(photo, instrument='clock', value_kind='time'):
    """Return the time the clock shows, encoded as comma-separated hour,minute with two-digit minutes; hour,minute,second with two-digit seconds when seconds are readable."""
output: 9,51
